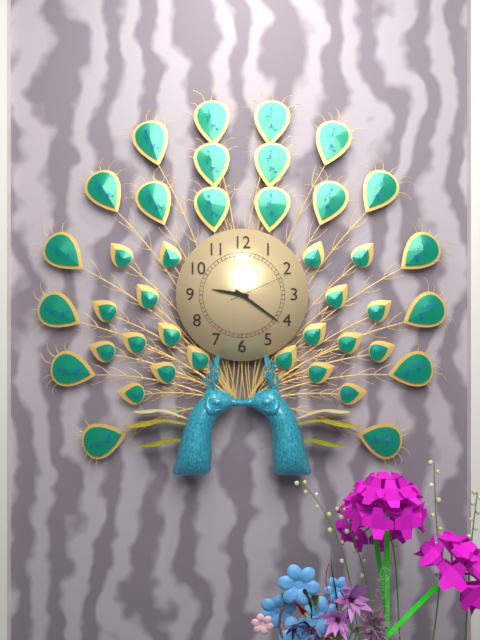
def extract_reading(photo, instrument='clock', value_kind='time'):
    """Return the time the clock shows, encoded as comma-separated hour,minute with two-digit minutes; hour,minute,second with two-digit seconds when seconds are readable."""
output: 9,21,11
